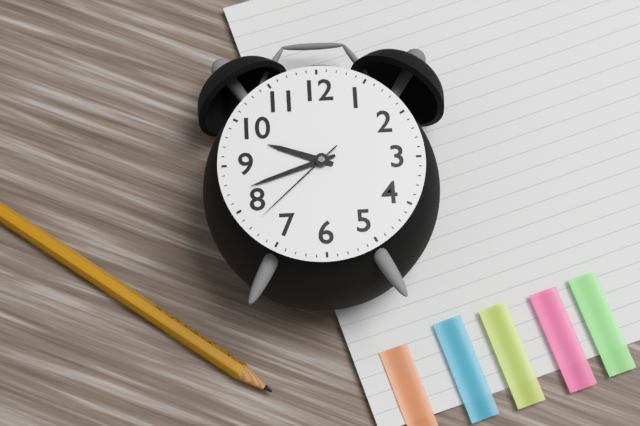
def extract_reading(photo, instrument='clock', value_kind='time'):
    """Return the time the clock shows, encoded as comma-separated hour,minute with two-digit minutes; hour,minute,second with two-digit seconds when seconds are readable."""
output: 9,42,38
